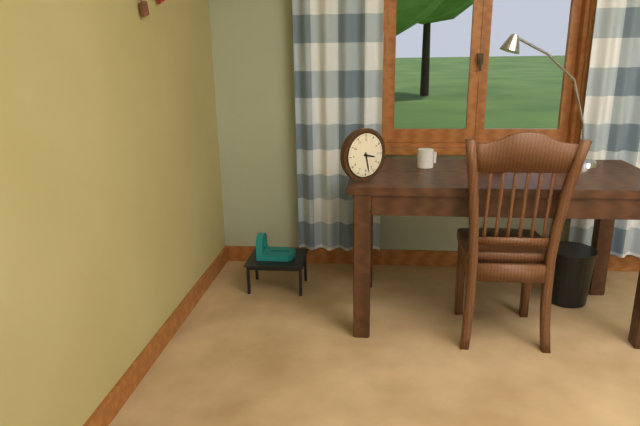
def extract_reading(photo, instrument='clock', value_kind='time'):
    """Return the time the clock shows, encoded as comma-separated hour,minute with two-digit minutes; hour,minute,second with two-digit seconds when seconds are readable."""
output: 3,28
